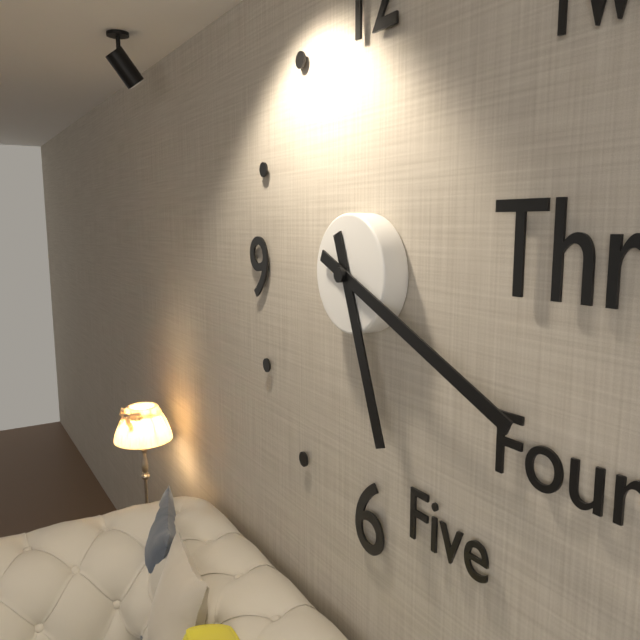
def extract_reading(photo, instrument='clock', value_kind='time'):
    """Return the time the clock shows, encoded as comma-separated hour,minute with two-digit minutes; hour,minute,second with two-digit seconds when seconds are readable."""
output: 5,19
